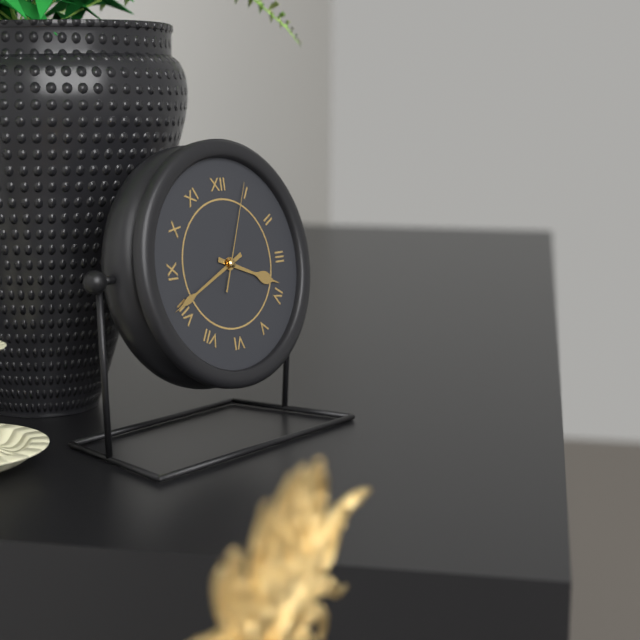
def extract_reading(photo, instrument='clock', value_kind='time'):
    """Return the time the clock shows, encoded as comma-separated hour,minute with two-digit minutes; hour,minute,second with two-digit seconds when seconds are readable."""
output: 3,41,04
